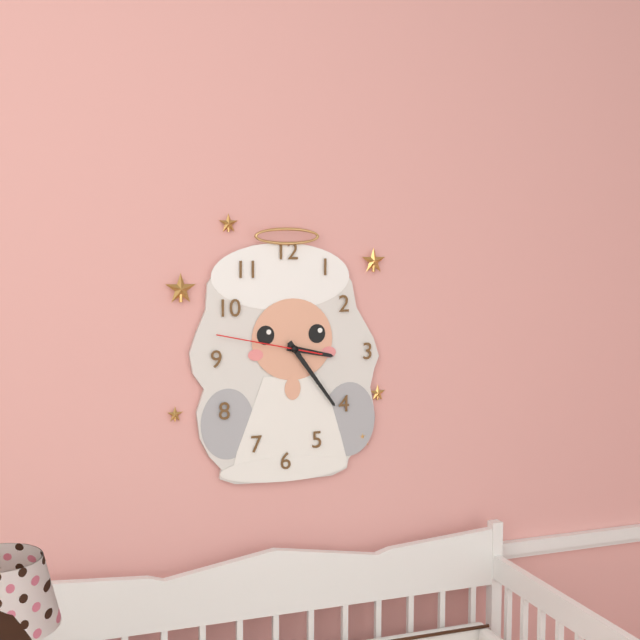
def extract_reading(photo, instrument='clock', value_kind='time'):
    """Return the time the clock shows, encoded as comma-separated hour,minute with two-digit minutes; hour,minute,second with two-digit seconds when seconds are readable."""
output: 3,24,47
